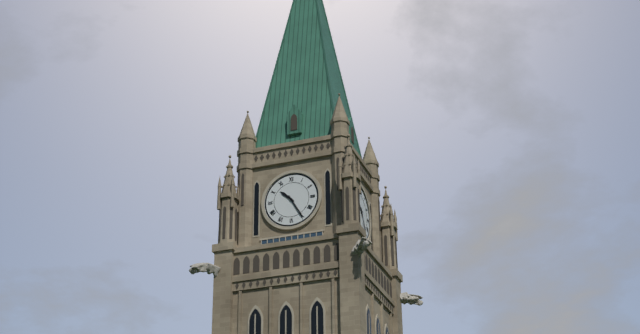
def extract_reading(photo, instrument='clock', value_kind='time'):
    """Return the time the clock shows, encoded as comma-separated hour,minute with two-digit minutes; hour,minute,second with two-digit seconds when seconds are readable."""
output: 10,25
